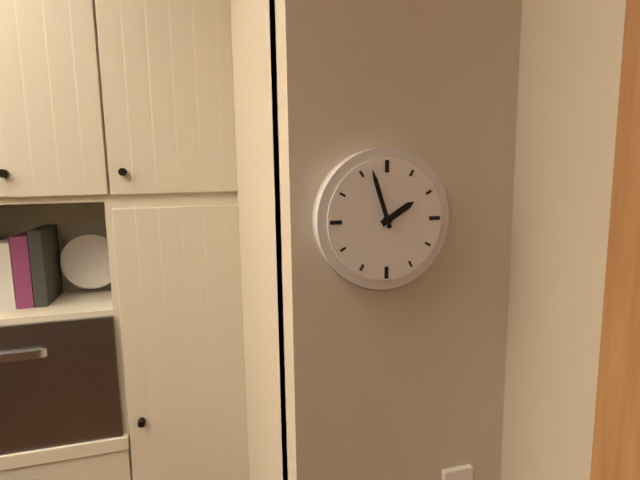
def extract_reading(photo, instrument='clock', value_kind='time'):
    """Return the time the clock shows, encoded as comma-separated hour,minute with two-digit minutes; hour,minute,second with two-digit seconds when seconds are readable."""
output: 1,57
